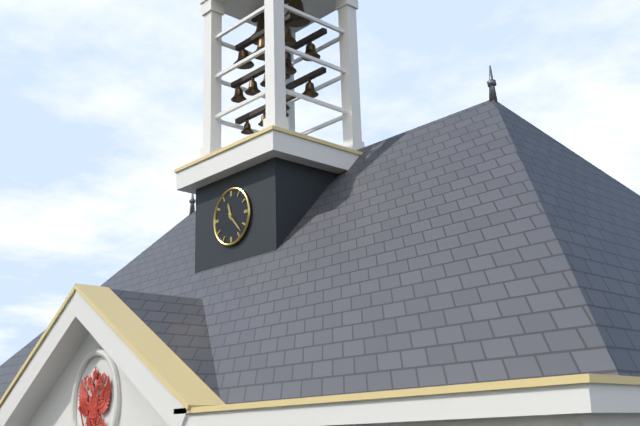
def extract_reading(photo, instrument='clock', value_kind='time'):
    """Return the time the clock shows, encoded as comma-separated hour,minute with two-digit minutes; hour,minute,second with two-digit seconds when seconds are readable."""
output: 11,23
